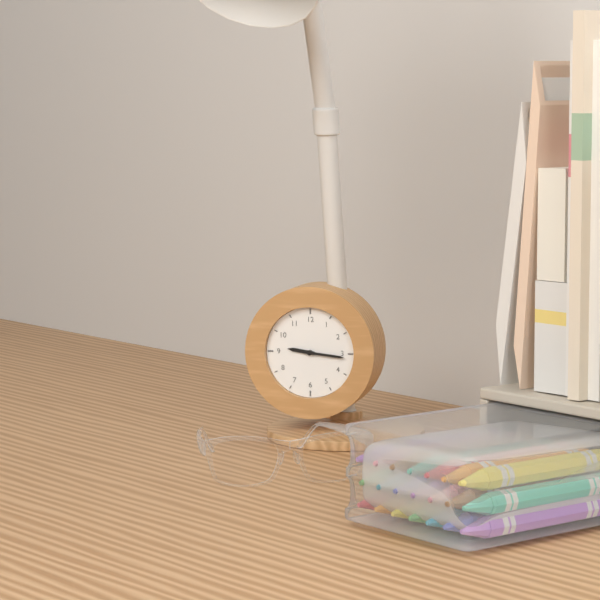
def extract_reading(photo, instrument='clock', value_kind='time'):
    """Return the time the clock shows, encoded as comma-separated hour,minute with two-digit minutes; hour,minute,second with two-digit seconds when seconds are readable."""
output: 9,16
